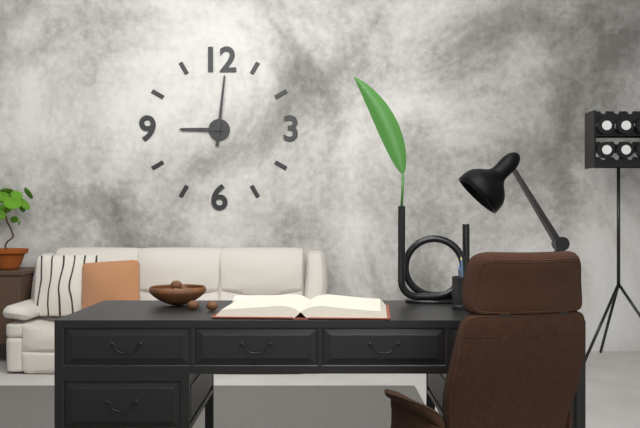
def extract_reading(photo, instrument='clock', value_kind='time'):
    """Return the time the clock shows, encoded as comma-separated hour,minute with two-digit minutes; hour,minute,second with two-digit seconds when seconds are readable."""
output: 9,01
